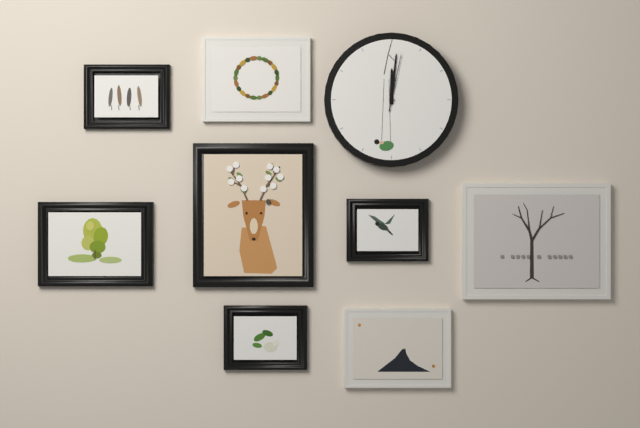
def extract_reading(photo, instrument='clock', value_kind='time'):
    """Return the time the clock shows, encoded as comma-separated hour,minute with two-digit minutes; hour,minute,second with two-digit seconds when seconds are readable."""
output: 12,01,02
